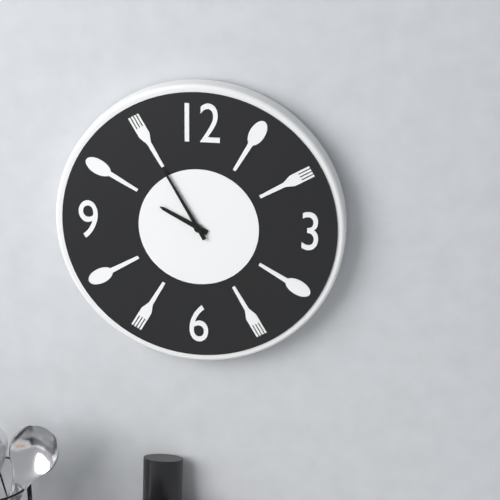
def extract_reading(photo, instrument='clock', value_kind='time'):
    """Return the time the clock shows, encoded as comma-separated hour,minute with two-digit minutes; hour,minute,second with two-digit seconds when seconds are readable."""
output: 9,55
